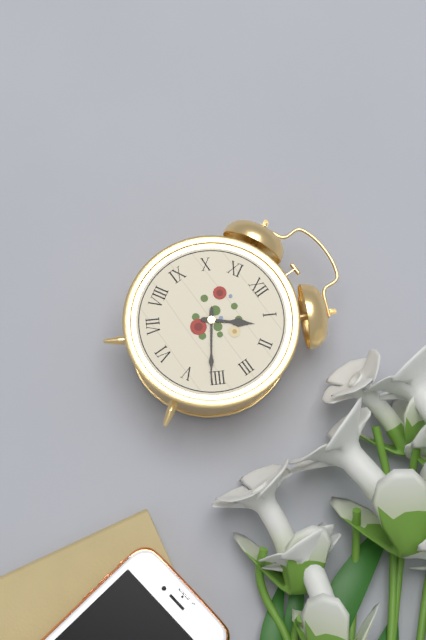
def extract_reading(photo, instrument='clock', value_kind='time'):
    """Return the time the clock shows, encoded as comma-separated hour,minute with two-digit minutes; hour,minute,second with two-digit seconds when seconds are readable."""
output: 1,21
